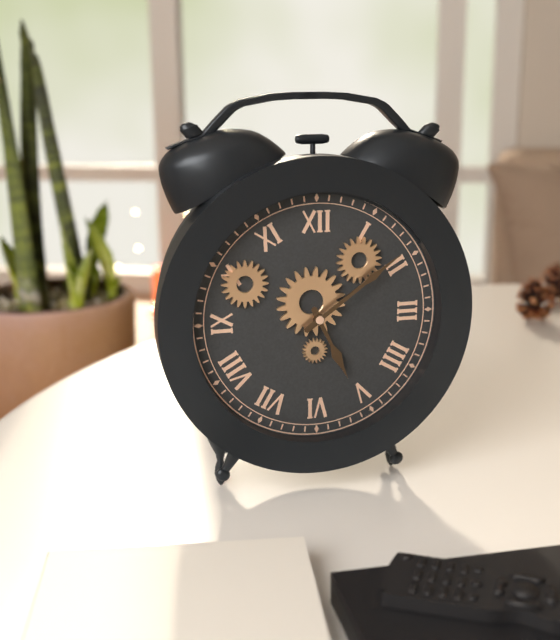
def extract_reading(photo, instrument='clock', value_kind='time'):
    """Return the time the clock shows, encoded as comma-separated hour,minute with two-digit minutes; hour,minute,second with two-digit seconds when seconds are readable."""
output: 5,09
